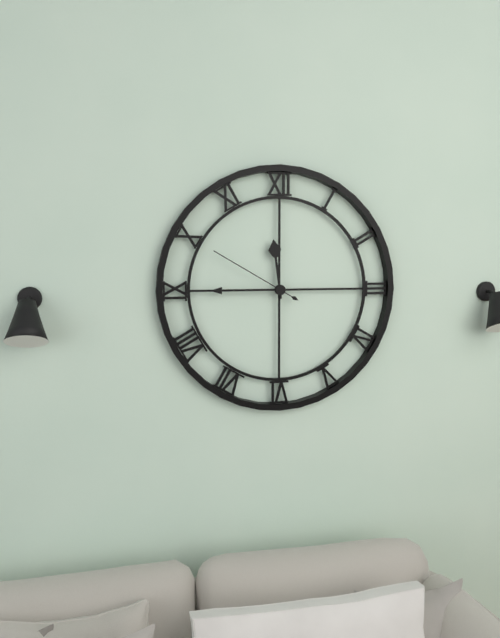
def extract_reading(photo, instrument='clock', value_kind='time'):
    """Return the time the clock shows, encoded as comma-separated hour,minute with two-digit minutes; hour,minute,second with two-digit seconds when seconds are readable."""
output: 11,45,50
